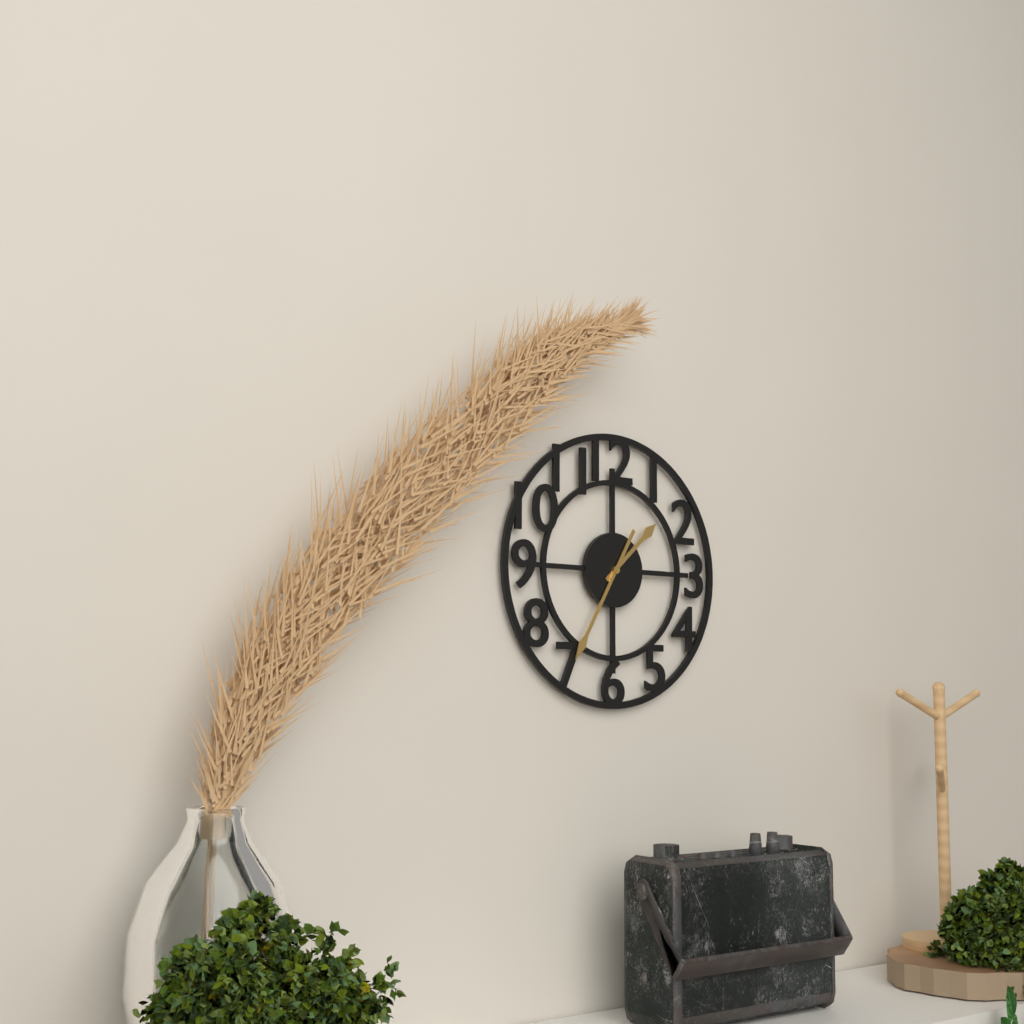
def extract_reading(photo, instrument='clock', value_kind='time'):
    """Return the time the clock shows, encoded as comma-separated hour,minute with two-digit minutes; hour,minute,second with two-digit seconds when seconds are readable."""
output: 1,35
